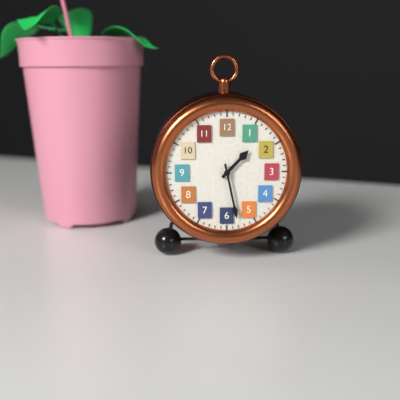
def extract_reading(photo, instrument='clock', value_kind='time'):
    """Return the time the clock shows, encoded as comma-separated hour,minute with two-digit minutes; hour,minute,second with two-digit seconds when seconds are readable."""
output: 1,28
